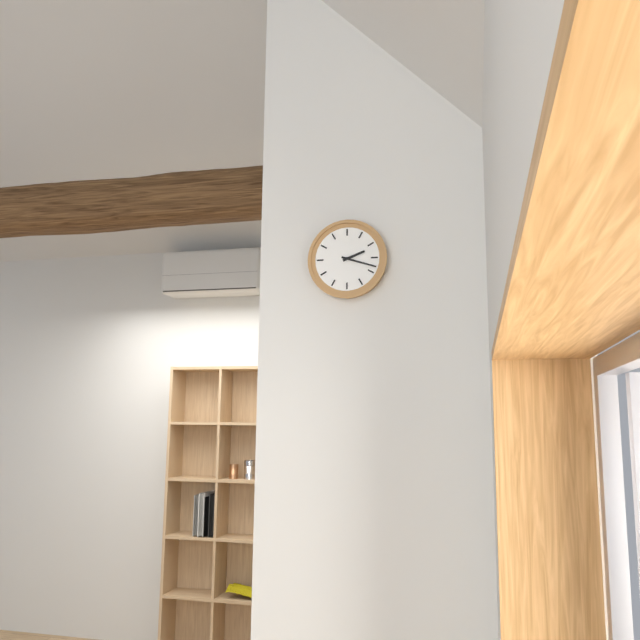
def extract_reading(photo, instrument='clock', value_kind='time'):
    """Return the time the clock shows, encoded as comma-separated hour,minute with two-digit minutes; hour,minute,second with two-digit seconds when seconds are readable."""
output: 2,18
